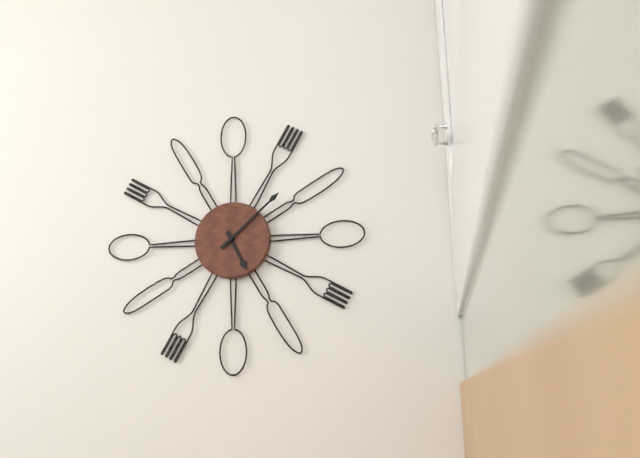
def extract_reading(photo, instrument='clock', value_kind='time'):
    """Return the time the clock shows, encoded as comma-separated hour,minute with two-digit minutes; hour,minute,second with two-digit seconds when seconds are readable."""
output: 5,08
